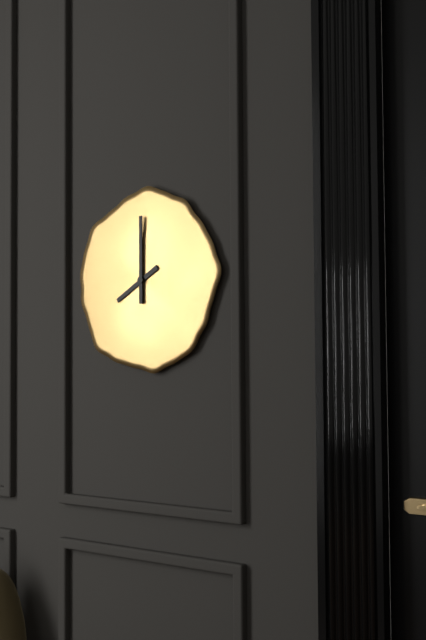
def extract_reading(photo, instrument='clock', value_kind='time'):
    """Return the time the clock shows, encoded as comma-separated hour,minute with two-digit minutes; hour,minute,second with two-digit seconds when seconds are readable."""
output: 8,00
